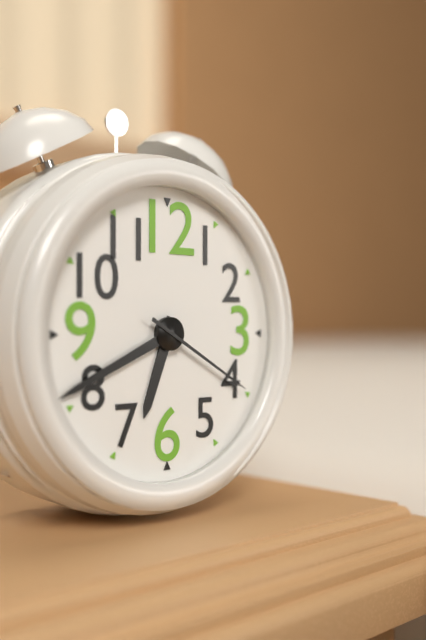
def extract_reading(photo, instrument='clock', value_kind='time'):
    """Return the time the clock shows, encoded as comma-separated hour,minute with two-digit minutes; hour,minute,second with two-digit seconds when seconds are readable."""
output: 6,41,20
